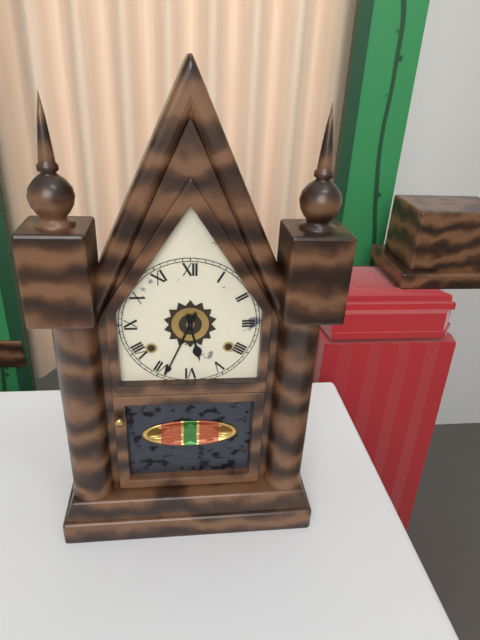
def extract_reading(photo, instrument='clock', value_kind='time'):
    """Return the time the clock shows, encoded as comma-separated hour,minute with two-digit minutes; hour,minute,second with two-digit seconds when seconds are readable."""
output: 5,34
